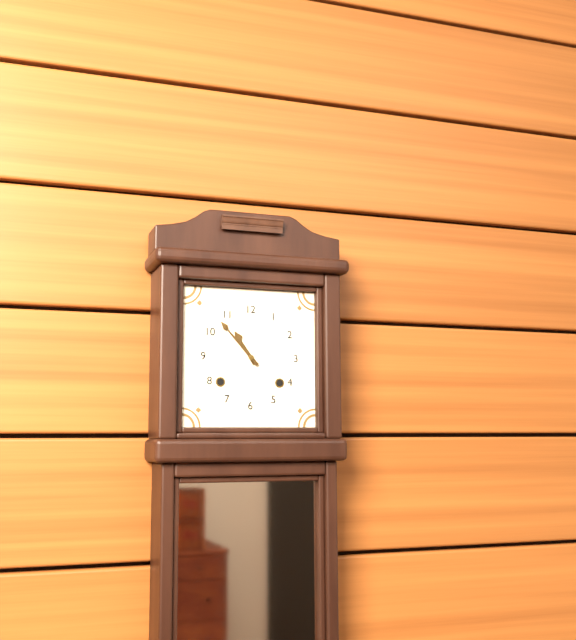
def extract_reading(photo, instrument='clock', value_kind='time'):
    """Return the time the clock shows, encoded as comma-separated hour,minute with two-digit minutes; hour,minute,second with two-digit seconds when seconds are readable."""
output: 10,53
